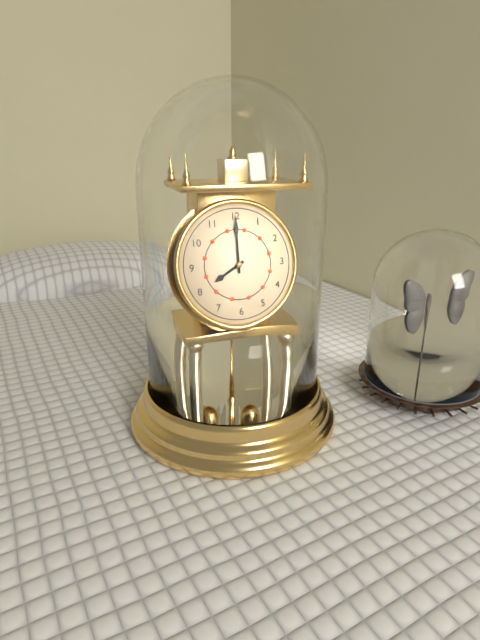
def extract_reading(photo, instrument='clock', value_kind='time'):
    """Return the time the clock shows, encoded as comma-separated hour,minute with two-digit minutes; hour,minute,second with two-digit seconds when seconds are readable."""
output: 8,00
